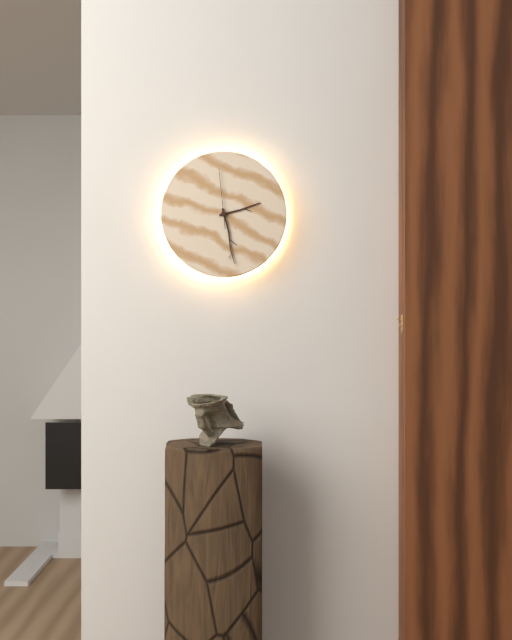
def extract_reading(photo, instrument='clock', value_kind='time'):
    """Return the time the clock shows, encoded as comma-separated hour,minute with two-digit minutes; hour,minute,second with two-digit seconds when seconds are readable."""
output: 2,28,59
